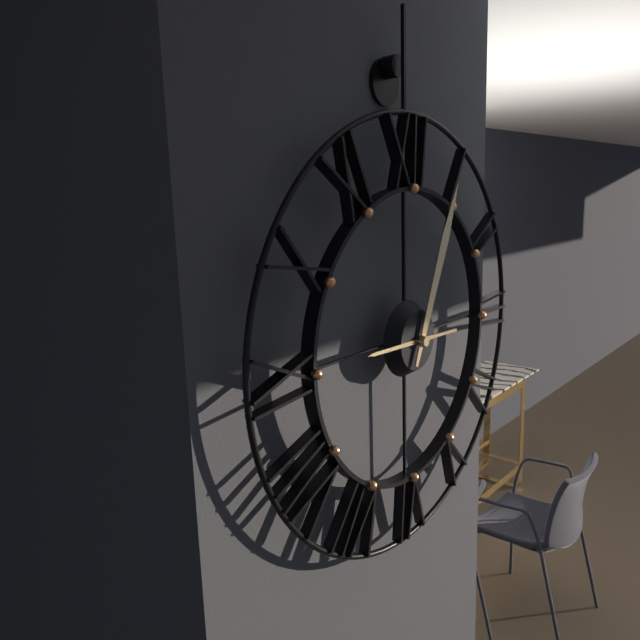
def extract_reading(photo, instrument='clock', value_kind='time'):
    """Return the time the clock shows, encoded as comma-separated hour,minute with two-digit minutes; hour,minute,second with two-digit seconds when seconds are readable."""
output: 9,04
